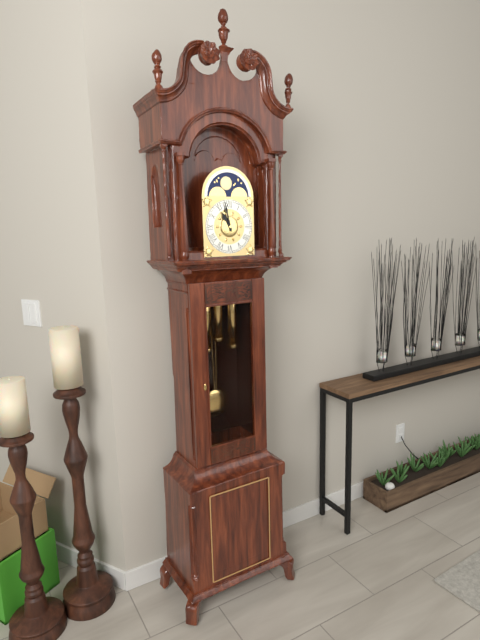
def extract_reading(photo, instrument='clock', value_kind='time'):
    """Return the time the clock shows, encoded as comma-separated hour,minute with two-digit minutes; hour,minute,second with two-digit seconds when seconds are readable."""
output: 10,58
